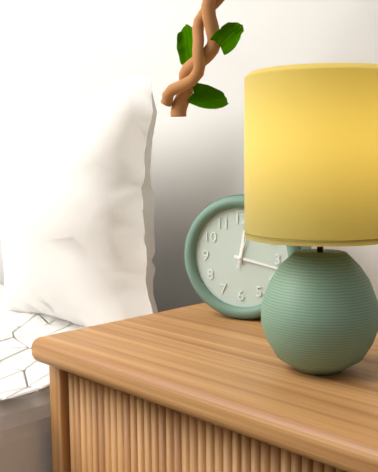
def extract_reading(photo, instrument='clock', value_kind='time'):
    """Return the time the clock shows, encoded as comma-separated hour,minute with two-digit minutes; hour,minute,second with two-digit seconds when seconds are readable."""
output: 12,17
